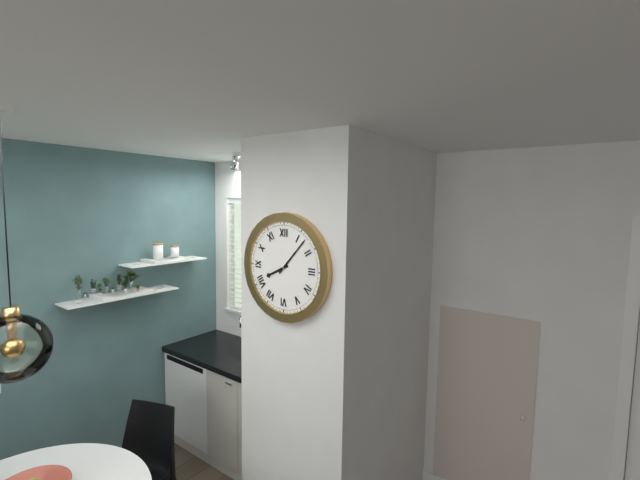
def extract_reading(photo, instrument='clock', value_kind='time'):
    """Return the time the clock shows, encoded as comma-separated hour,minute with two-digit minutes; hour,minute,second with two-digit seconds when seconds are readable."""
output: 8,07
